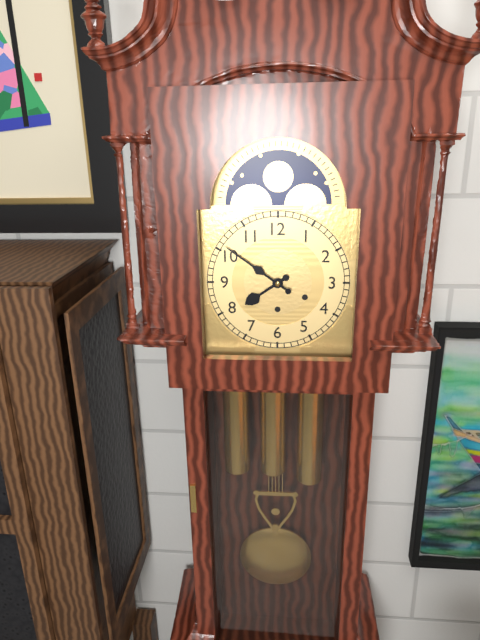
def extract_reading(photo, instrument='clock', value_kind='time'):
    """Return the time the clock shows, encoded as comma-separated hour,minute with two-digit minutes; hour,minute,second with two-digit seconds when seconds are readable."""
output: 7,51
